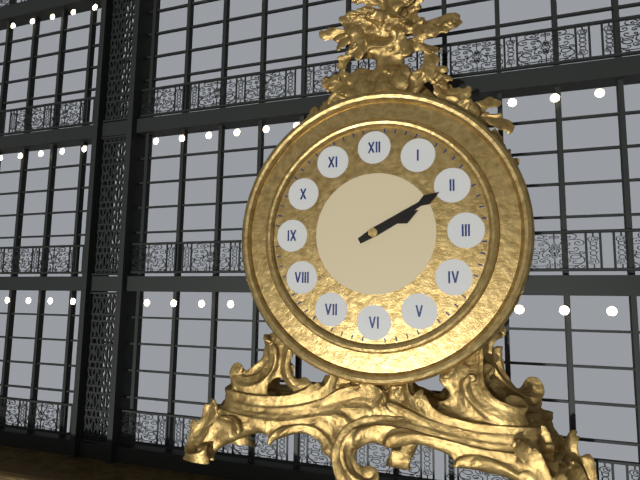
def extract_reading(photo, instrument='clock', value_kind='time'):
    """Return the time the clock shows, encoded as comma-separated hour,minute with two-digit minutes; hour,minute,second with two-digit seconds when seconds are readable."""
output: 2,10
